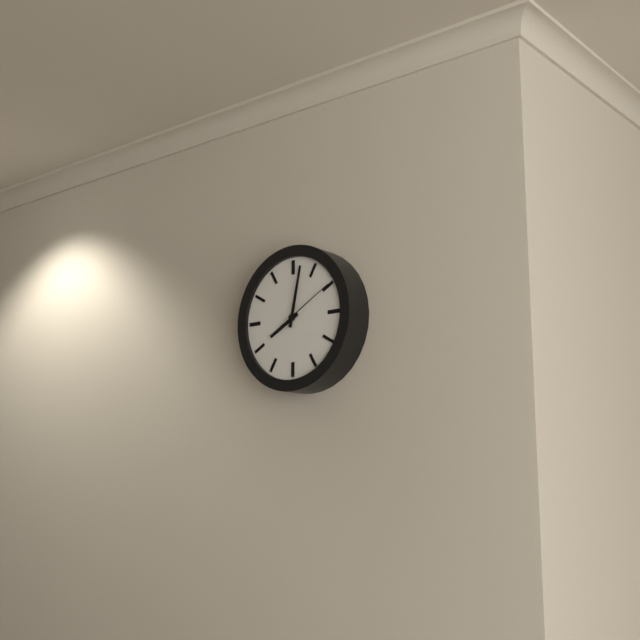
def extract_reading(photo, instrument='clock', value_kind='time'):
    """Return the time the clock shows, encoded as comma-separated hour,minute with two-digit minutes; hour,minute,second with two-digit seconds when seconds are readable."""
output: 8,02,10
